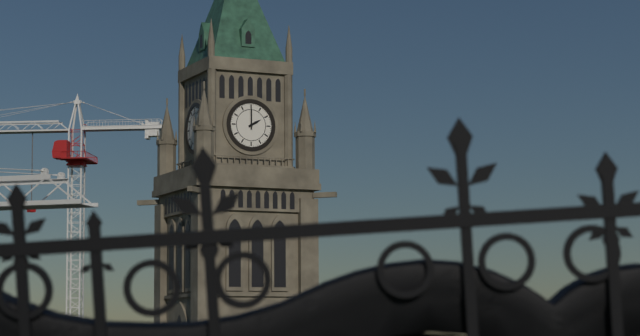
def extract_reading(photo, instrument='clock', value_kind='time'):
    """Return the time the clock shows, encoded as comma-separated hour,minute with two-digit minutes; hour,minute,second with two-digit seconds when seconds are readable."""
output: 2,00
